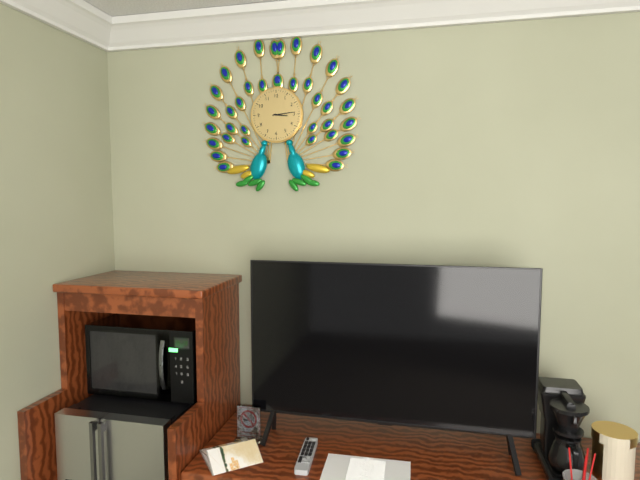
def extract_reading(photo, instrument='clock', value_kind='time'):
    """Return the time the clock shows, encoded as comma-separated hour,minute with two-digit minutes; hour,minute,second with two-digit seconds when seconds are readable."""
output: 3,14
